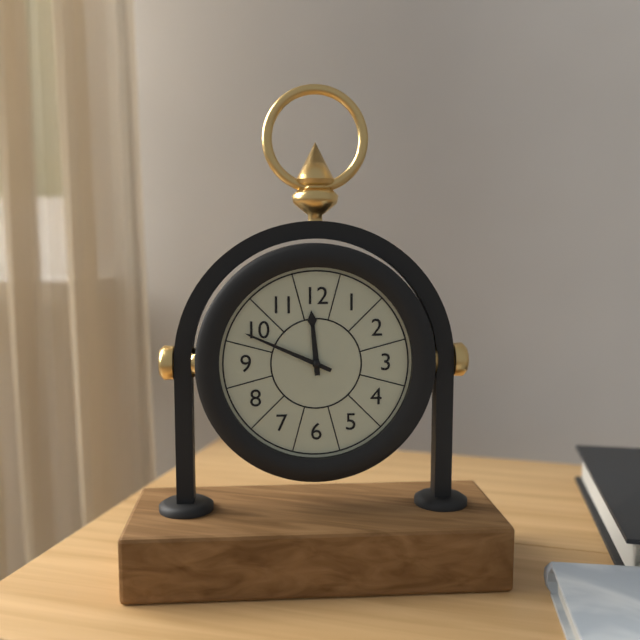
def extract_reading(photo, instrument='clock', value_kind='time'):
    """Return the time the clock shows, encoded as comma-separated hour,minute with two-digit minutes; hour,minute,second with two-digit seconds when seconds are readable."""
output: 11,49
